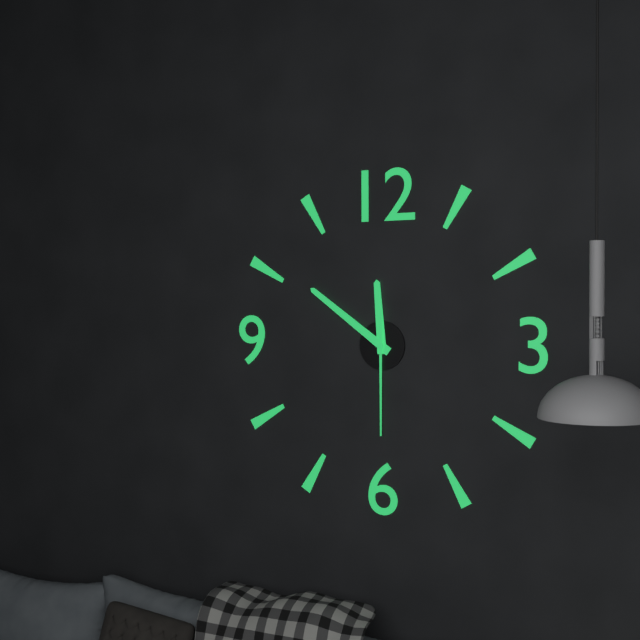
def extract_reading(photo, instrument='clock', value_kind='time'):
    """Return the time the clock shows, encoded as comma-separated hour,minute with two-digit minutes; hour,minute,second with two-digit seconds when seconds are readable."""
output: 11,51,30
